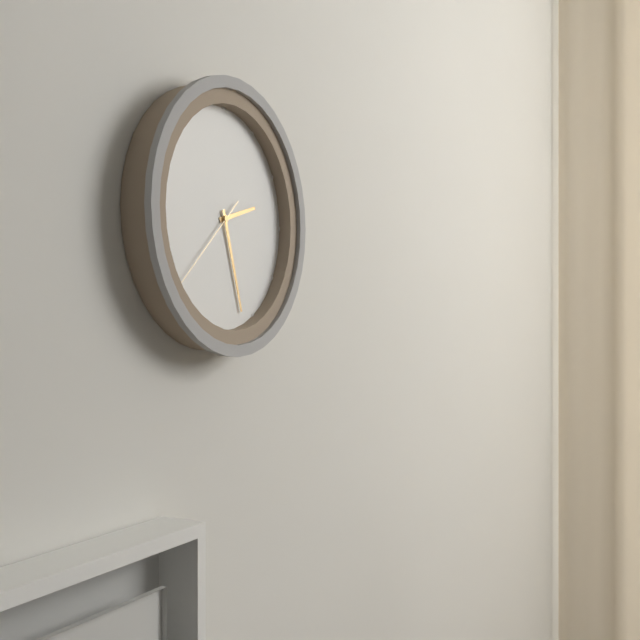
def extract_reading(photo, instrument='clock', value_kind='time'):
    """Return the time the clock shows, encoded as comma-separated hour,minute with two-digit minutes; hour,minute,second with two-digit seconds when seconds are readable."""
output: 2,27,38
